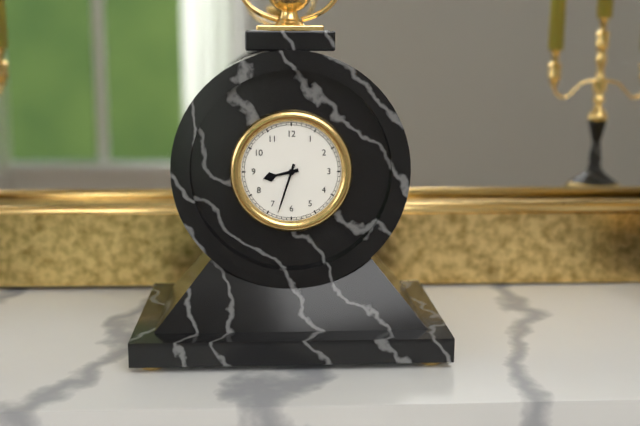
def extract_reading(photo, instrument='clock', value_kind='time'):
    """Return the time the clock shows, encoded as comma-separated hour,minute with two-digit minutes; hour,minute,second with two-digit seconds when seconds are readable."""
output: 8,33
